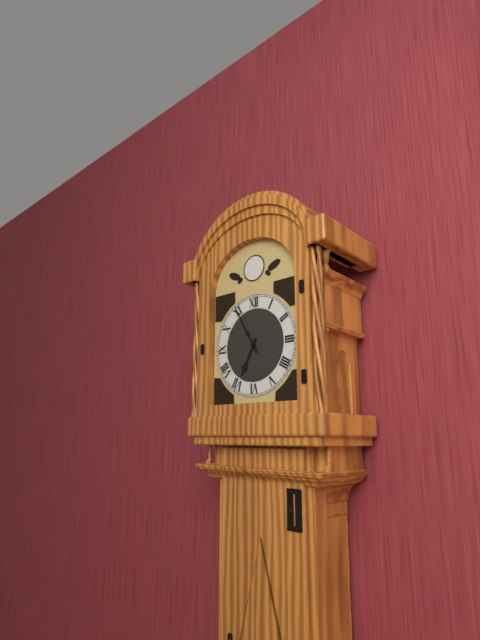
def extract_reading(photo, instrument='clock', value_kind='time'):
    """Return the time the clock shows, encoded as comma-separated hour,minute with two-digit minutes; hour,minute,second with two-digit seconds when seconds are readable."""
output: 6,55
